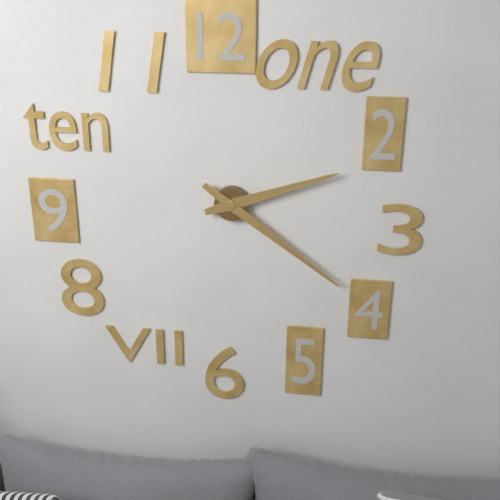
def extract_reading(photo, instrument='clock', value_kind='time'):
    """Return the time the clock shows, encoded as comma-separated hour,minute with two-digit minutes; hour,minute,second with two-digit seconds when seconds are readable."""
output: 2,21
